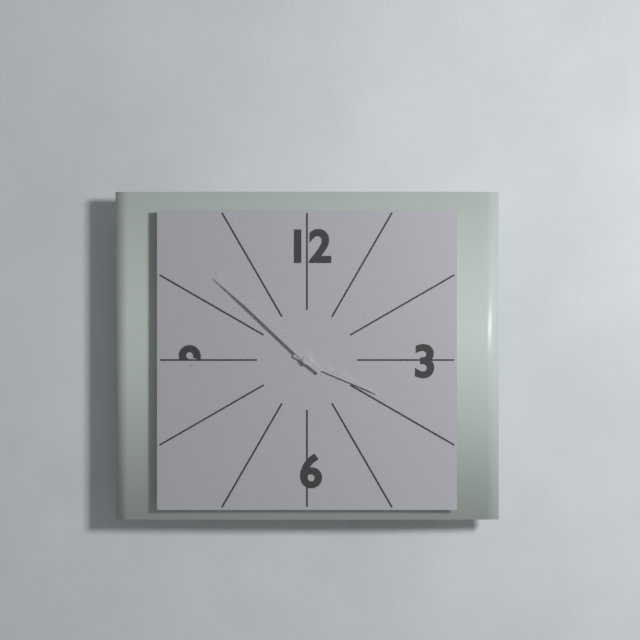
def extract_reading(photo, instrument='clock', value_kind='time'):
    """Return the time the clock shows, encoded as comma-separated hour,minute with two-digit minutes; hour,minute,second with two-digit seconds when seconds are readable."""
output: 3,52
